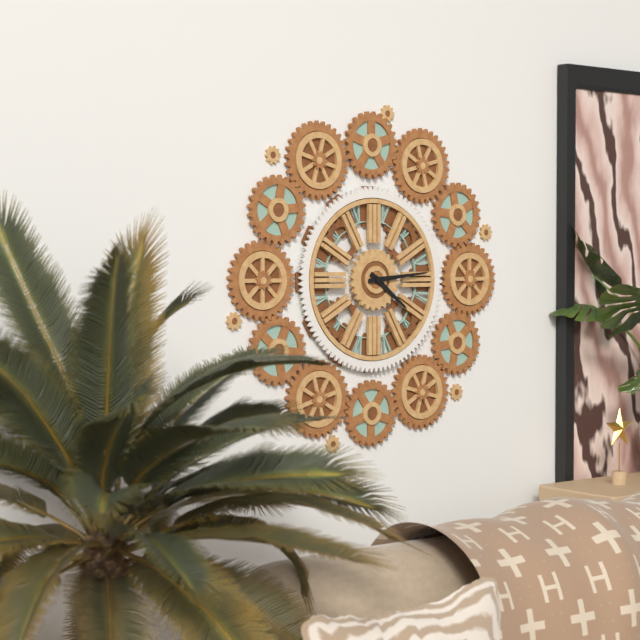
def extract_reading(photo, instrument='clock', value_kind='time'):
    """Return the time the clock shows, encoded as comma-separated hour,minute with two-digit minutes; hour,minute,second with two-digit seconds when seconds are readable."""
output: 4,14
